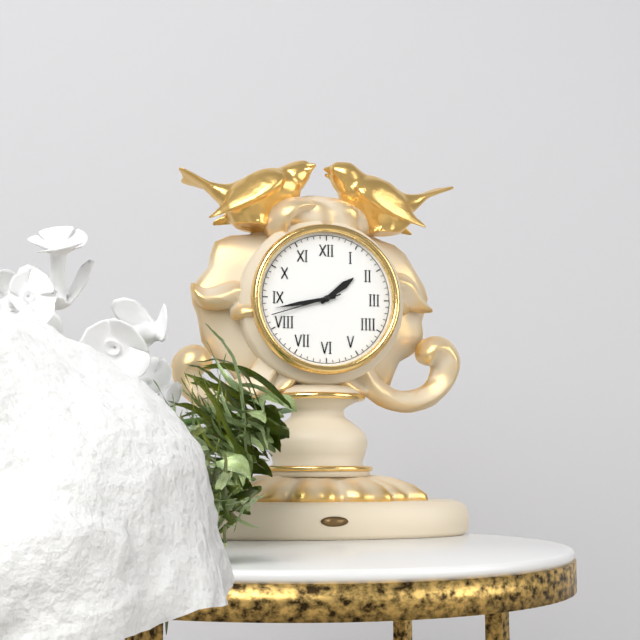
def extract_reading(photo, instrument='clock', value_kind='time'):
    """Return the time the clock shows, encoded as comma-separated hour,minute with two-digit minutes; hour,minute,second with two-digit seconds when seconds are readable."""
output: 1,43,42
